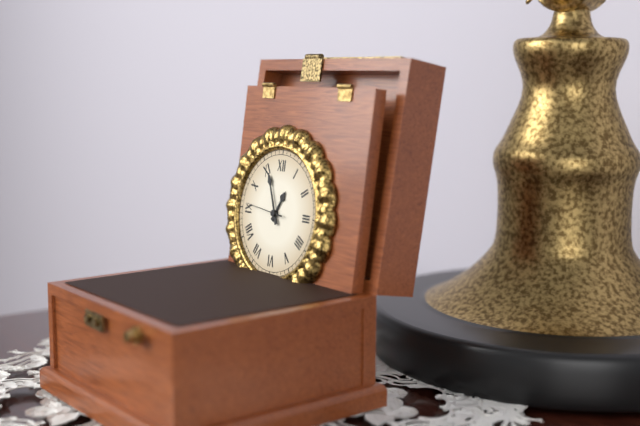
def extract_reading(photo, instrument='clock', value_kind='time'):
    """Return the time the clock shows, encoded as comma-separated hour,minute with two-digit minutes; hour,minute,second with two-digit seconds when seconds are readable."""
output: 12,56
